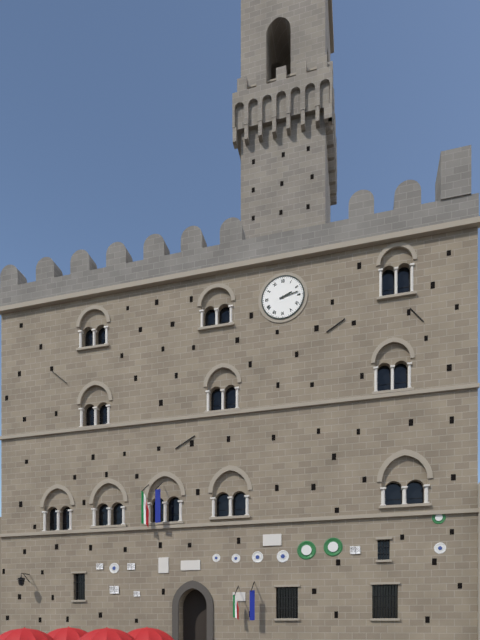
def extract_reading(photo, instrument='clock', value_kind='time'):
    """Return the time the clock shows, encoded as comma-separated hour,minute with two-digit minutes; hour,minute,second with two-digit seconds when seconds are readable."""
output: 2,13
